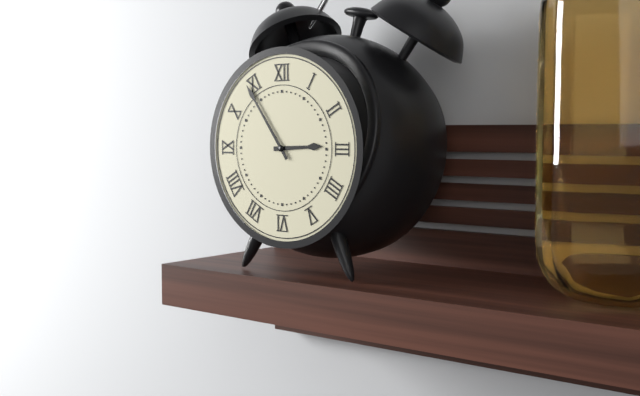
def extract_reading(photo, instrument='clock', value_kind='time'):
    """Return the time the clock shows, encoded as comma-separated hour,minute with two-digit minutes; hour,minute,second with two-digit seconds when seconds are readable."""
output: 2,54
